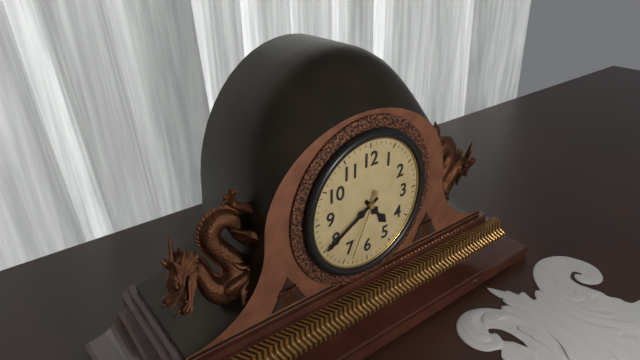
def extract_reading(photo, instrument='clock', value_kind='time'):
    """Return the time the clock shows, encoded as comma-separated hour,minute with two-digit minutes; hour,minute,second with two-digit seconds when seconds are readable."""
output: 4,40,34
